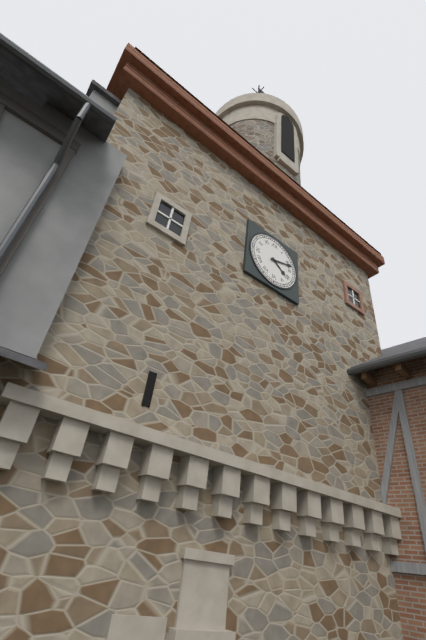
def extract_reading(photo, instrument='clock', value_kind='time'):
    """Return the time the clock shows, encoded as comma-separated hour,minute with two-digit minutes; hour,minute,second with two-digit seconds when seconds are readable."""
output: 4,12
